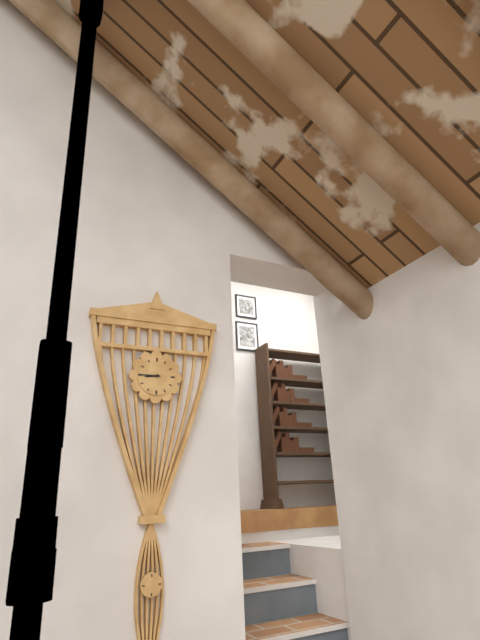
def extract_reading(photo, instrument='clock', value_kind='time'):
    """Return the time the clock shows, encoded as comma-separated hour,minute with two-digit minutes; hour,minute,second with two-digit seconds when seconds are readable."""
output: 8,45
